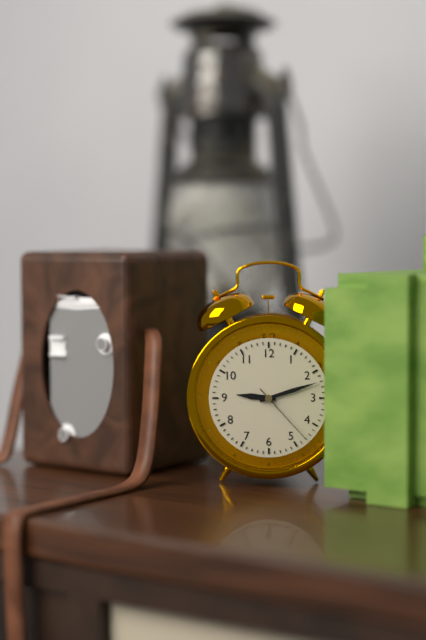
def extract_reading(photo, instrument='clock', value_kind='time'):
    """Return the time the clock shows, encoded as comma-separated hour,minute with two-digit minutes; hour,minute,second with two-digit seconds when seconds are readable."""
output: 9,12,23
